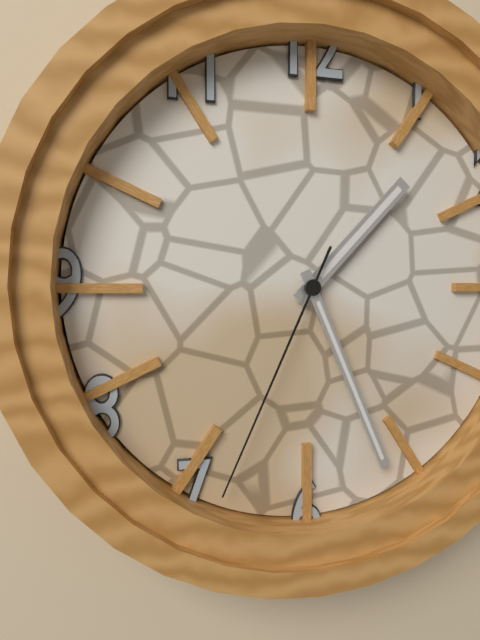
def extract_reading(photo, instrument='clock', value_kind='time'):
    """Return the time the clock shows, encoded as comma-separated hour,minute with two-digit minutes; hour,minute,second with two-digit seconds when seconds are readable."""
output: 1,26,34
